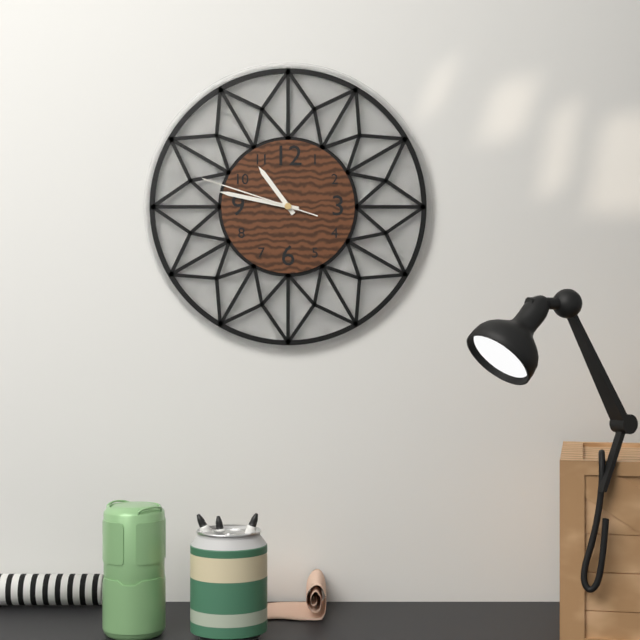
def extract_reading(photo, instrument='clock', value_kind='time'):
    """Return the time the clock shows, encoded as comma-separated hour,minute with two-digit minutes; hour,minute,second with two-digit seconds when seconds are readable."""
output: 10,47,48
